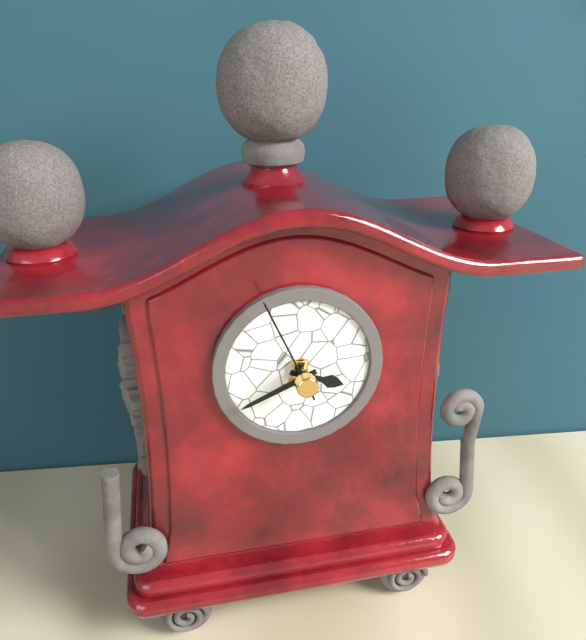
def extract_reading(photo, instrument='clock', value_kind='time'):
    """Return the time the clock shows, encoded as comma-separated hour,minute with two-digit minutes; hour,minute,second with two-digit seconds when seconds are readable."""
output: 3,41,56
